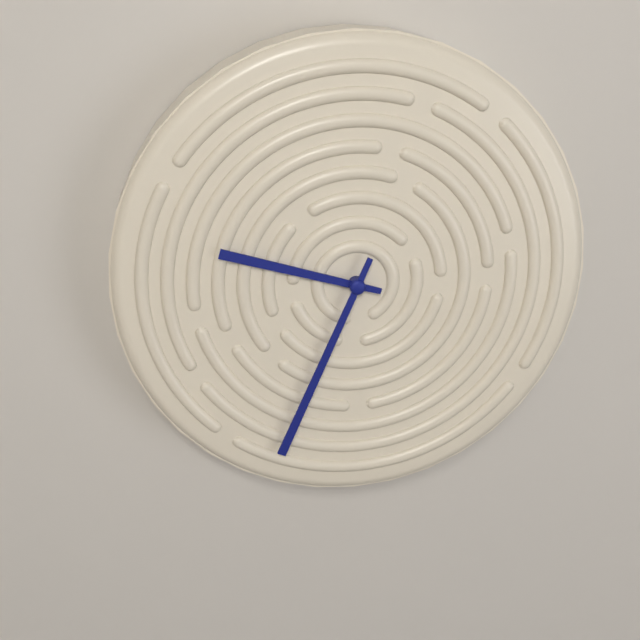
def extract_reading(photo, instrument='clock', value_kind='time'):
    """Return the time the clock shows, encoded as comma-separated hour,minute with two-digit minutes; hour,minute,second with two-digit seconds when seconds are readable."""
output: 9,34
